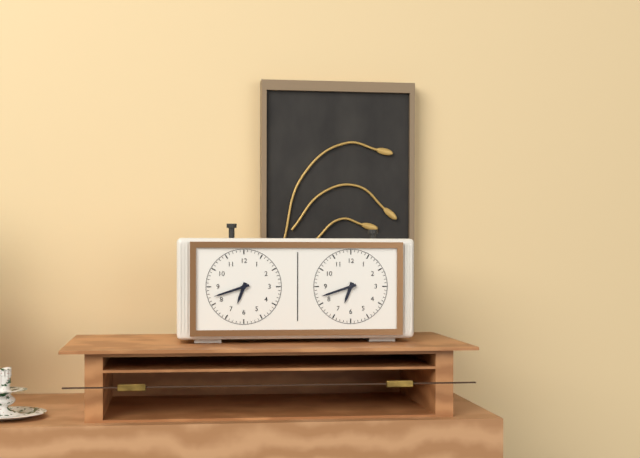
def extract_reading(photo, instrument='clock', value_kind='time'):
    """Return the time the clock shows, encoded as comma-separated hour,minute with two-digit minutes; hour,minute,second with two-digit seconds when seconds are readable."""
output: 6,42
